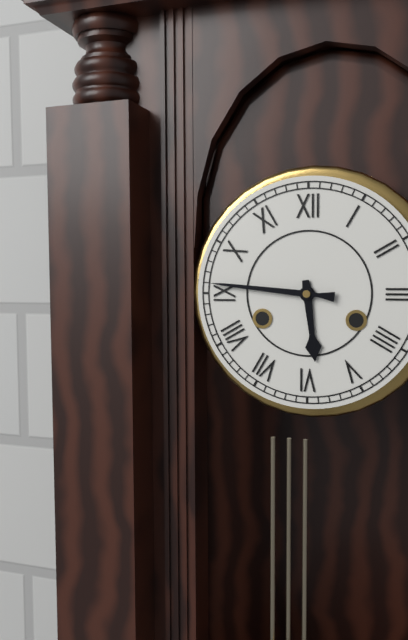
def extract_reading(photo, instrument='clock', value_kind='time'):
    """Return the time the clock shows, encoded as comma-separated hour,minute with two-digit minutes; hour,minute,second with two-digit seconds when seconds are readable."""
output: 5,46
